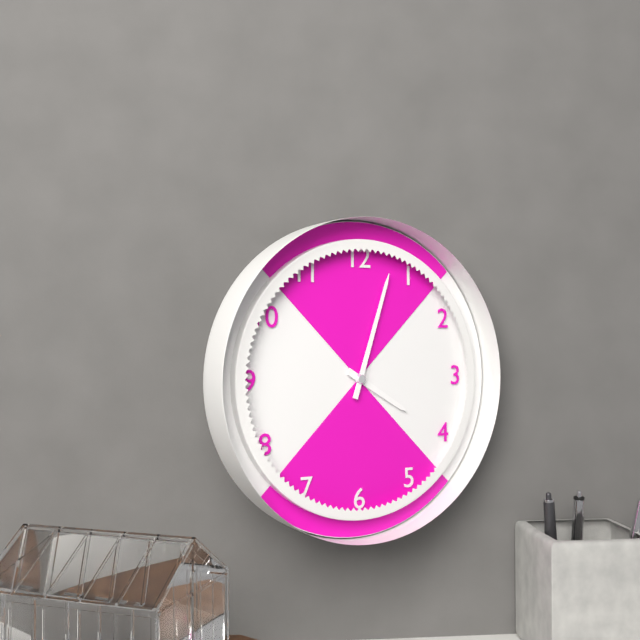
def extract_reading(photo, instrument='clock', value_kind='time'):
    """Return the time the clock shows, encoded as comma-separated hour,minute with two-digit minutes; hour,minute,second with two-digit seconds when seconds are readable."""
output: 4,03
